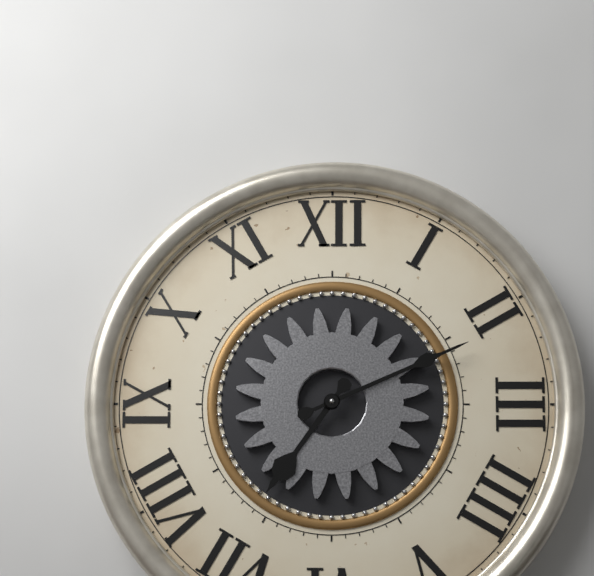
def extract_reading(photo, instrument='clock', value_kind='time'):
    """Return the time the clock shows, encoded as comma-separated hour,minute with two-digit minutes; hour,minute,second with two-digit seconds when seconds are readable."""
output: 7,11
